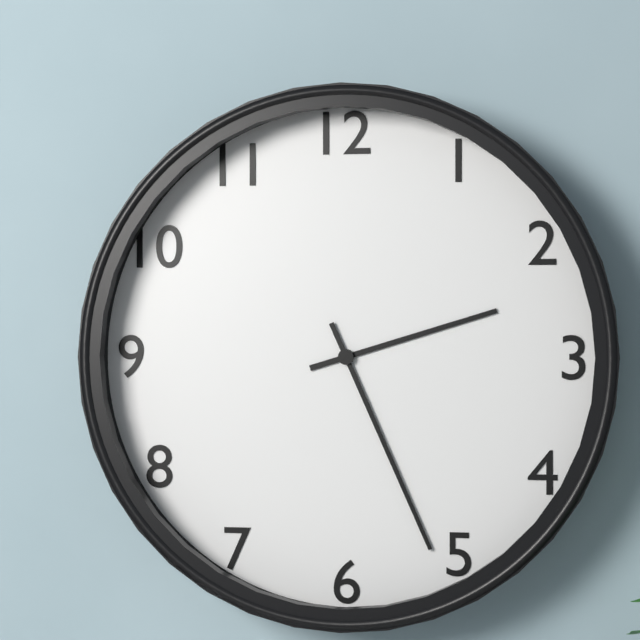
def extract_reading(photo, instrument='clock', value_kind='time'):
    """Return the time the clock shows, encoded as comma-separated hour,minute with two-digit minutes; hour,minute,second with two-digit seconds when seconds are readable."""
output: 2,26
